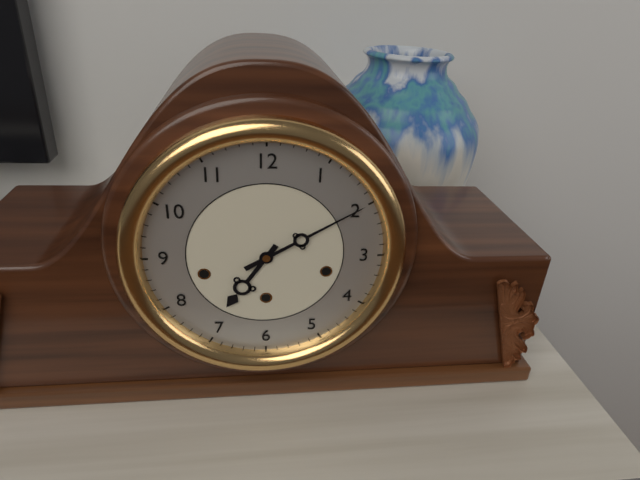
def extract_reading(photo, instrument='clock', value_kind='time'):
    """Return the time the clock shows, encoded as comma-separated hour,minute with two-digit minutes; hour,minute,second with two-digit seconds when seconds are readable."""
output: 7,10
